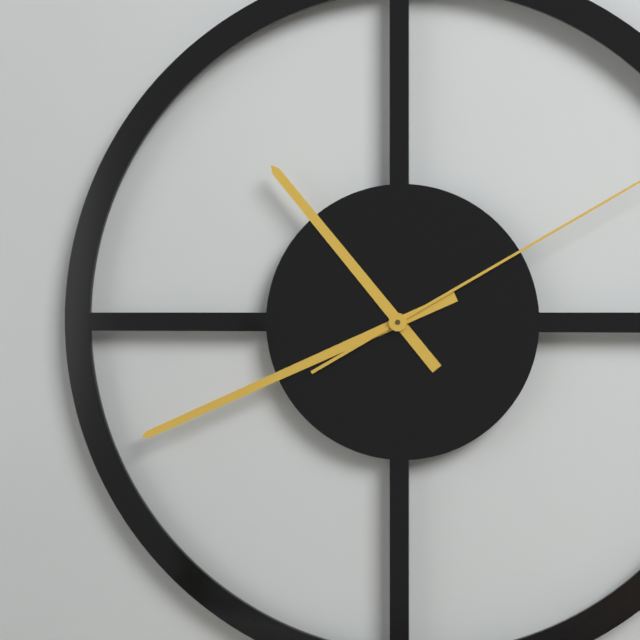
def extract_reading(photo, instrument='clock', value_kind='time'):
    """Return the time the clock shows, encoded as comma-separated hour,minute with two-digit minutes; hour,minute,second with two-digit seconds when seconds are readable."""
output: 10,41
